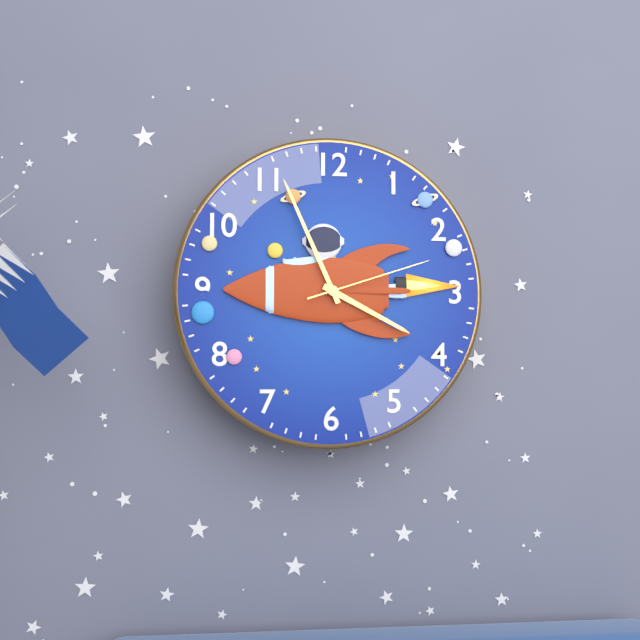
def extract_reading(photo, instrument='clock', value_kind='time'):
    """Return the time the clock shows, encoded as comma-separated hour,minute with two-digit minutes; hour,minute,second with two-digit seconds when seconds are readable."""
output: 3,56,12
